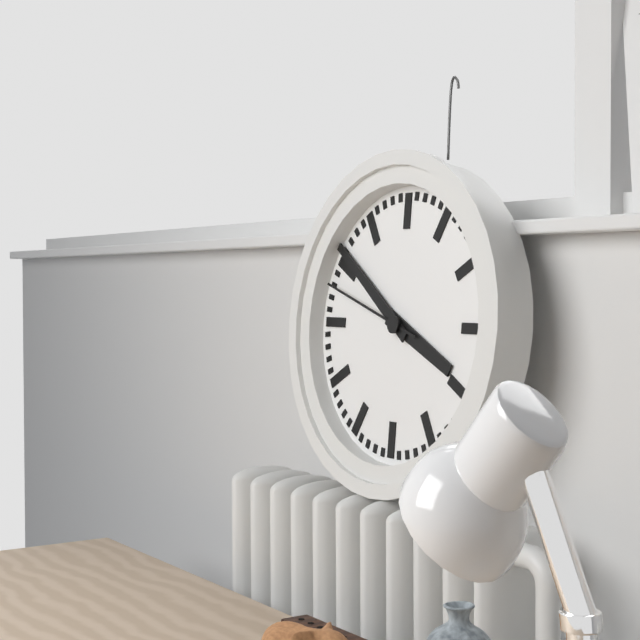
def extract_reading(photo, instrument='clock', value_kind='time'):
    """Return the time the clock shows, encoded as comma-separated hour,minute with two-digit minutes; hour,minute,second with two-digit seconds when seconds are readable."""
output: 3,51,48
